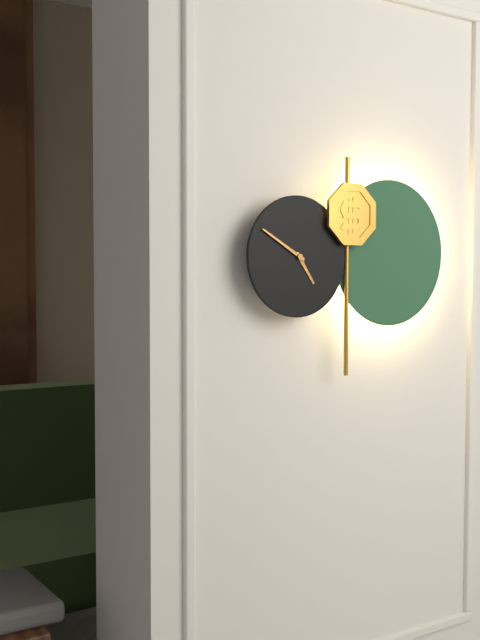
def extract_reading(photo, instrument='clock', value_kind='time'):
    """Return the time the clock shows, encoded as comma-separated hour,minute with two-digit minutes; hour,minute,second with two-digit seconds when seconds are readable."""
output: 4,50
